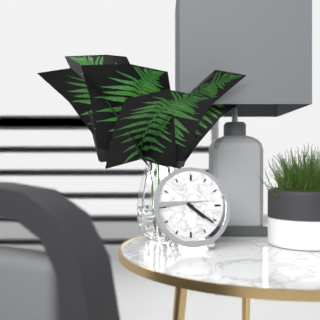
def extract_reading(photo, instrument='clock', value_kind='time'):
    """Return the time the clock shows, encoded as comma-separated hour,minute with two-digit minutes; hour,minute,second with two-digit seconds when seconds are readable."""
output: 4,21
